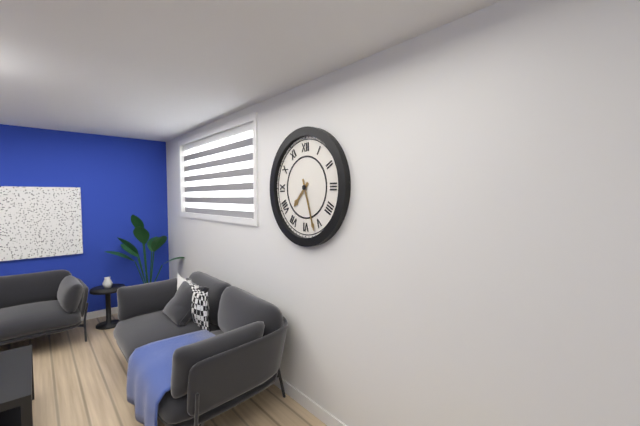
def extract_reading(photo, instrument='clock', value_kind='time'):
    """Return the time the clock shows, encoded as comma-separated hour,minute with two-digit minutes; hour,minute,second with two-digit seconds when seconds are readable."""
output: 7,27
